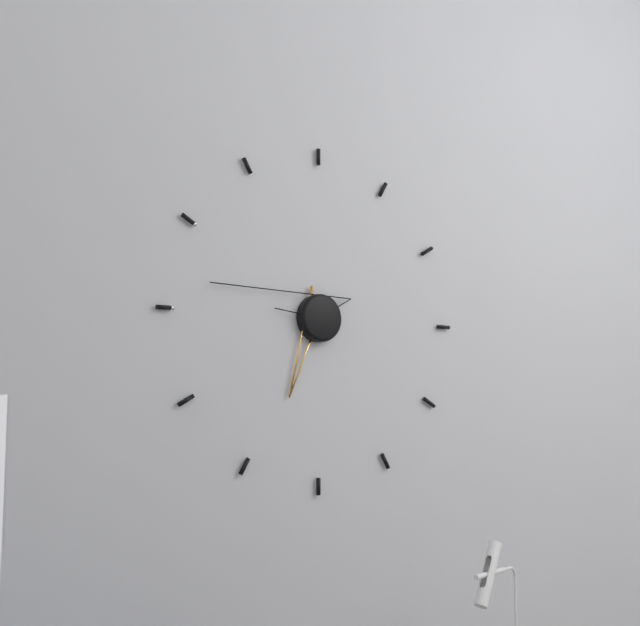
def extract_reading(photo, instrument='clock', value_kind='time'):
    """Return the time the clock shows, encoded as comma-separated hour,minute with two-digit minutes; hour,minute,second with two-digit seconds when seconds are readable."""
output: 6,47
